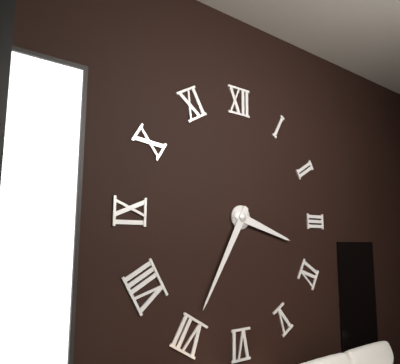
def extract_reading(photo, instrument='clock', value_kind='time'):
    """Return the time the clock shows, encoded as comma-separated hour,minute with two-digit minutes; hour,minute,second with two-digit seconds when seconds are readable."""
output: 3,35
